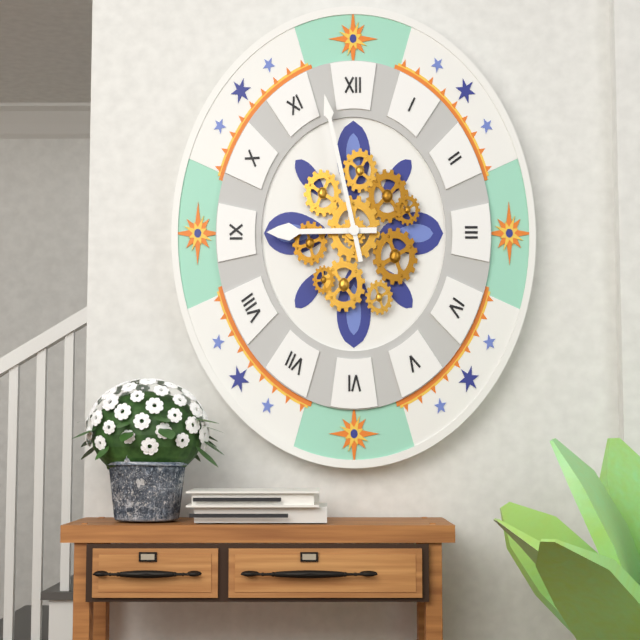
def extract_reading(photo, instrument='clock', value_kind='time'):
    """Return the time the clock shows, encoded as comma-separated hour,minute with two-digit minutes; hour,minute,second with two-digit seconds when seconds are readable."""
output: 8,58
